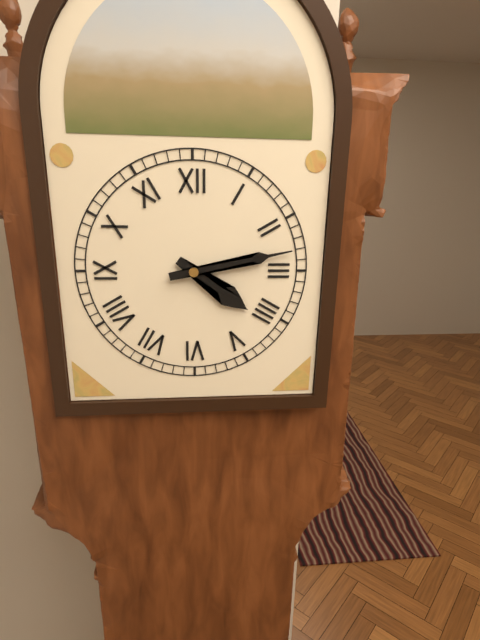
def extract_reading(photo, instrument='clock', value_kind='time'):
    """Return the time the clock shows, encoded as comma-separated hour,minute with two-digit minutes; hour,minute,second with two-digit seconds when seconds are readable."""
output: 4,13
